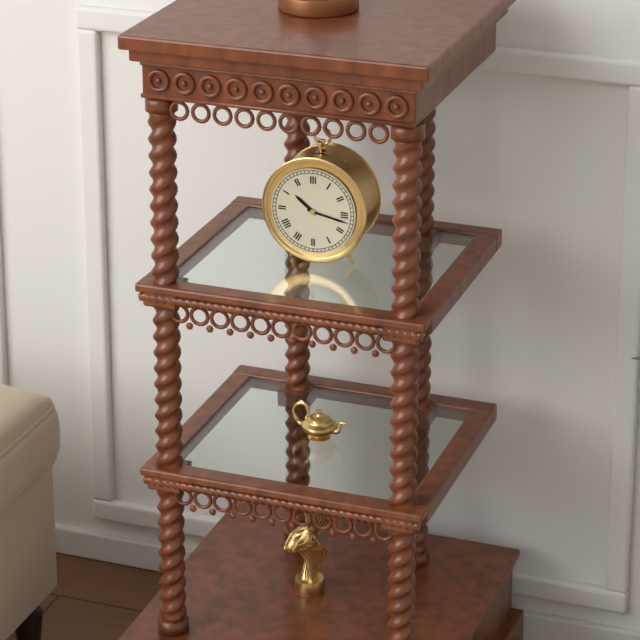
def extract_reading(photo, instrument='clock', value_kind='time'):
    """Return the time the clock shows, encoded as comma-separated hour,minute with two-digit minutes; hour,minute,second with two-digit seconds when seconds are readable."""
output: 10,17
